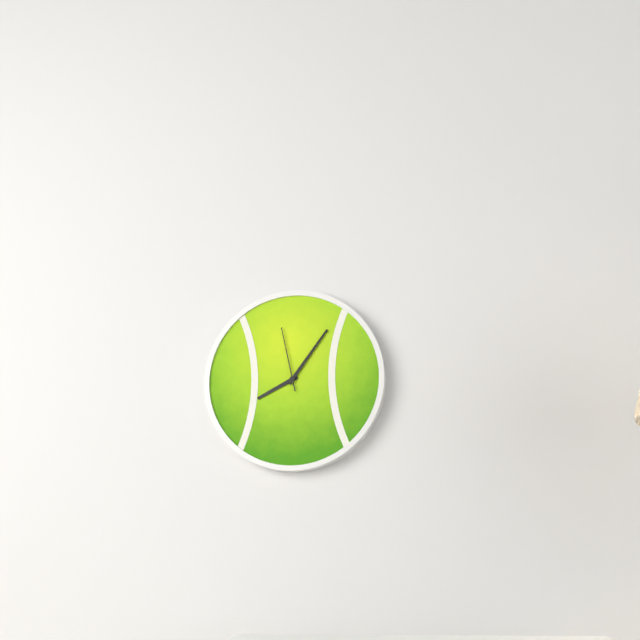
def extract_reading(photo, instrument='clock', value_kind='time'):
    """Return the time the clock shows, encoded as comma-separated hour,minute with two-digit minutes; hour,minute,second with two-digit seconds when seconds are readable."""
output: 8,06,58
